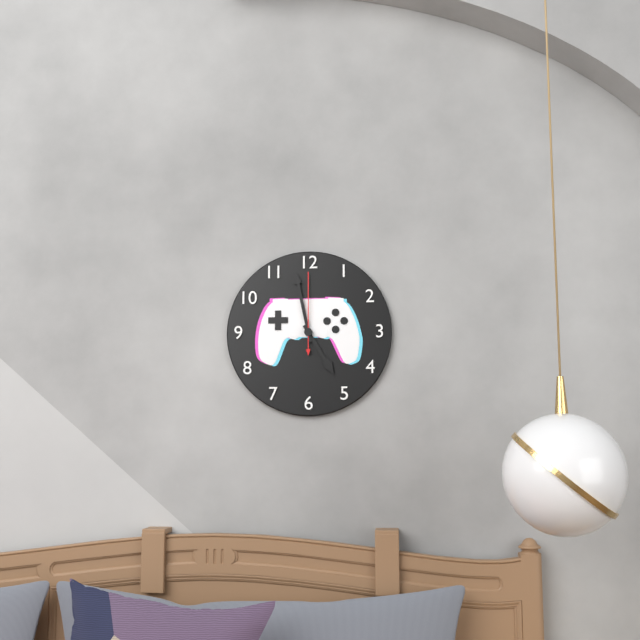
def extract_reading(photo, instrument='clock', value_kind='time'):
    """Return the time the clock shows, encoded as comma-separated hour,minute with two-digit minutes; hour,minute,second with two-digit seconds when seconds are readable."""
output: 4,58,00
